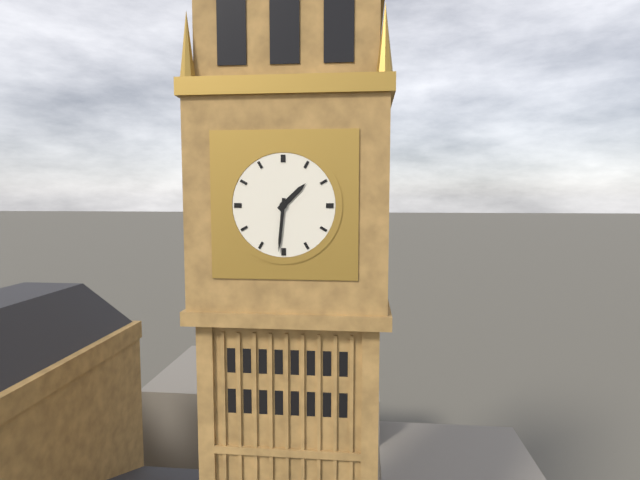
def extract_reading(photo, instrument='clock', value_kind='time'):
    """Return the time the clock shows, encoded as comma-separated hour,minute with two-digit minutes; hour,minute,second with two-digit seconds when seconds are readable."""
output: 1,31
